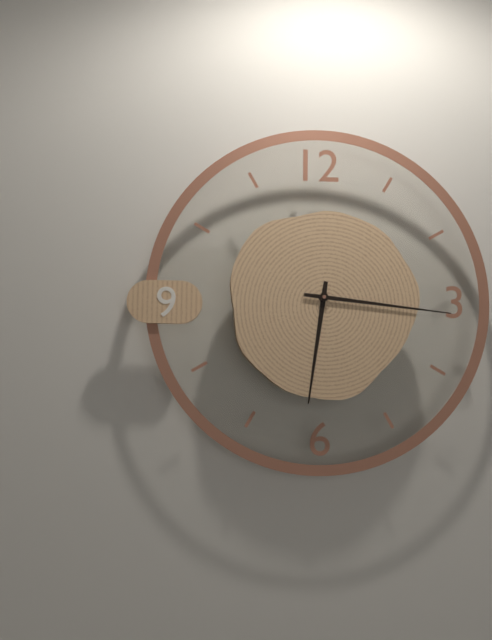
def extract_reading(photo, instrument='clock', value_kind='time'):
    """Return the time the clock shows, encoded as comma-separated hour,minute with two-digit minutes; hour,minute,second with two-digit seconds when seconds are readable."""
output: 6,16
